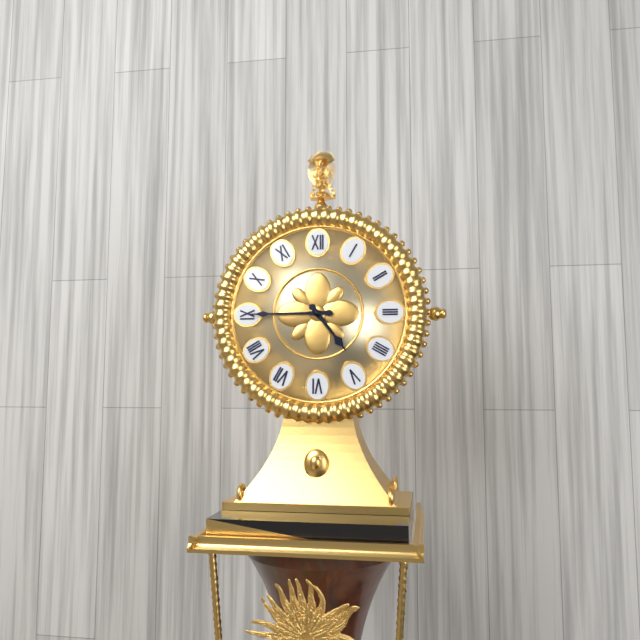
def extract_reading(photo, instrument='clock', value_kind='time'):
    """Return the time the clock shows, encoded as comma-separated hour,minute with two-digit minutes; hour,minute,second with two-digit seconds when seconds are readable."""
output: 4,45
